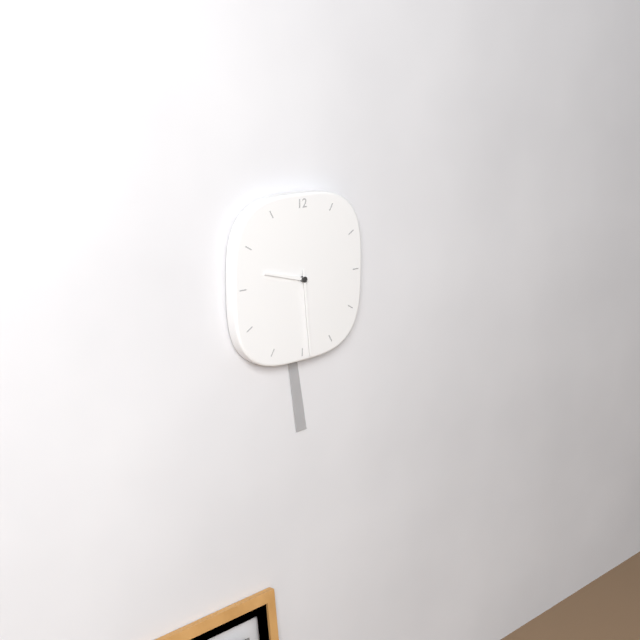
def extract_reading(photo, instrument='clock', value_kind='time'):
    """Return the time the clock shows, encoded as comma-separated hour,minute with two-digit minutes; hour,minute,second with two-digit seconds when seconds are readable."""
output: 9,29
